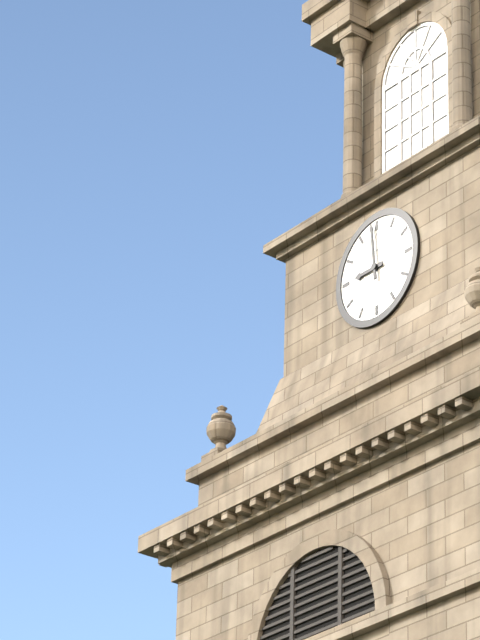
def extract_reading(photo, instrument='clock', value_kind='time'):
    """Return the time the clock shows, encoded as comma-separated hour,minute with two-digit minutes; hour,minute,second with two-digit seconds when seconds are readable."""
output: 8,59
